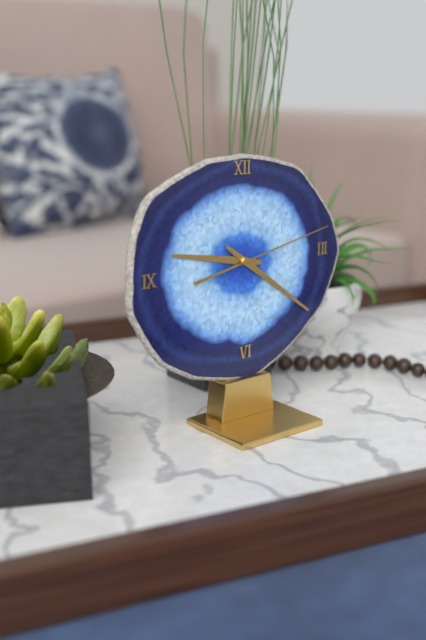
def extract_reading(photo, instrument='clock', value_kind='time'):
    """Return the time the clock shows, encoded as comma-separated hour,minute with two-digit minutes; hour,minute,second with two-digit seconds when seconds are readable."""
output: 9,21,13
